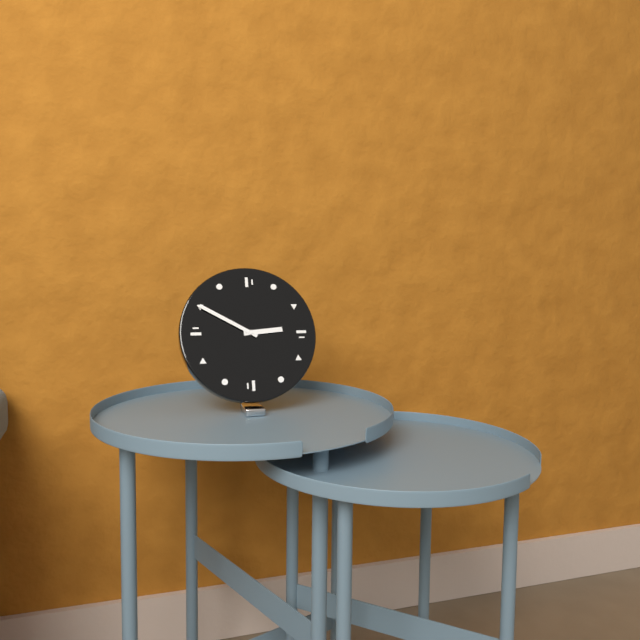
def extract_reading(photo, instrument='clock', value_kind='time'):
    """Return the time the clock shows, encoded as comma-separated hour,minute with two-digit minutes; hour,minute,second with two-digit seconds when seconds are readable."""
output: 2,50
